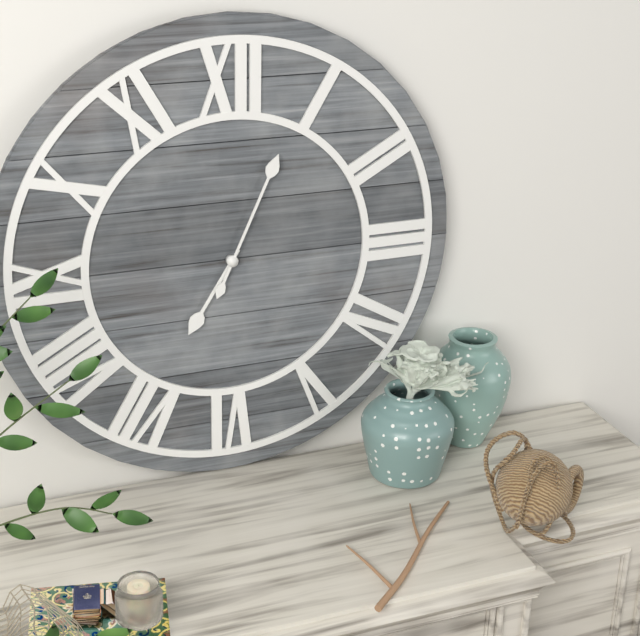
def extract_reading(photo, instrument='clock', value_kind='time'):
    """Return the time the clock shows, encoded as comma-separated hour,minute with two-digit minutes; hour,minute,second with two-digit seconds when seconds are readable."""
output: 7,04
